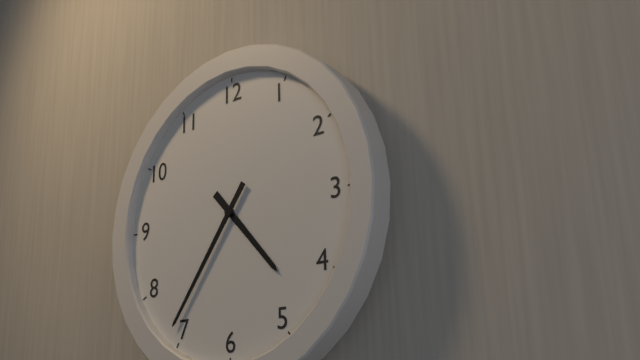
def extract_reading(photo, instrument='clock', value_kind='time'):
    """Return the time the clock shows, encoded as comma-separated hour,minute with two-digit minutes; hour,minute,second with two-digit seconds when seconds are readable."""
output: 4,36
